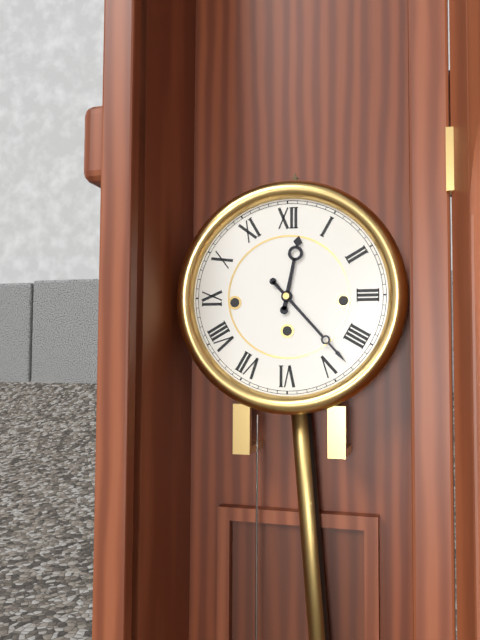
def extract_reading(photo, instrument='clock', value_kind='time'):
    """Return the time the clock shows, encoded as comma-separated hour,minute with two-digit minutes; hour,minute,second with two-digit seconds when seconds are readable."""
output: 12,23
